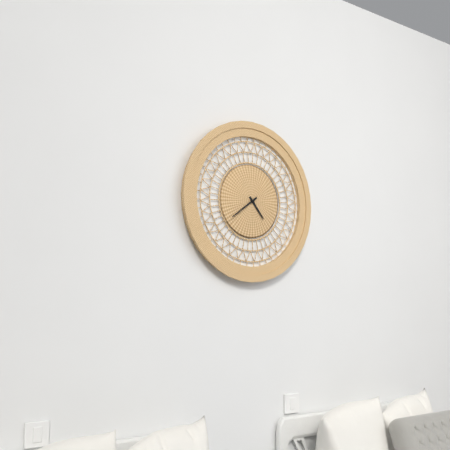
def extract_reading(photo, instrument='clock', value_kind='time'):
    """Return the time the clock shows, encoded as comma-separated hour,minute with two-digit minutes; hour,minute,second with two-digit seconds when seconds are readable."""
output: 4,39
